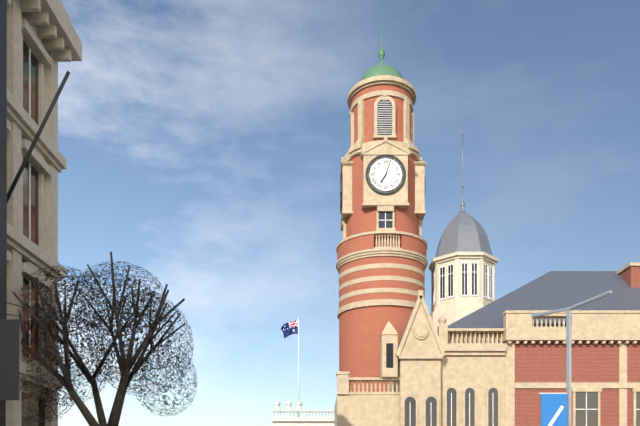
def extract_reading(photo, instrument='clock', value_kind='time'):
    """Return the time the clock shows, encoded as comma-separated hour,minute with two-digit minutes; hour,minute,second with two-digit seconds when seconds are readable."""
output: 7,03
